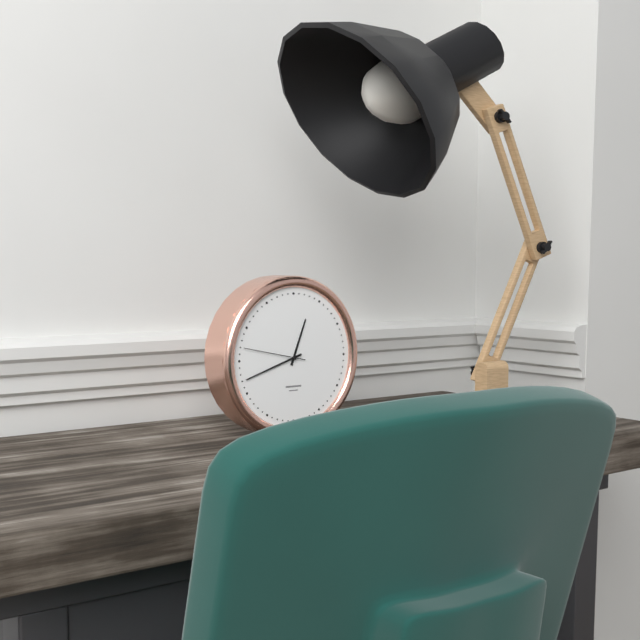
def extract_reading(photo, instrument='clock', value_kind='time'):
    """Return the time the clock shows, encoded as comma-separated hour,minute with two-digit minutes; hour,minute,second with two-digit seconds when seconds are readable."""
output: 12,42,47
